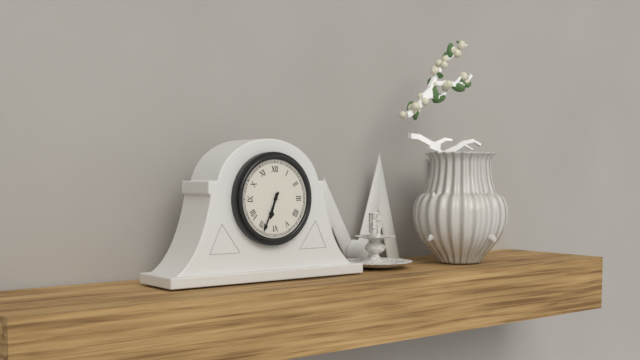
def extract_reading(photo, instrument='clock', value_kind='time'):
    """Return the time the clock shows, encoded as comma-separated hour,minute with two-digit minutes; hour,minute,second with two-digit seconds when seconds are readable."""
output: 6,34
